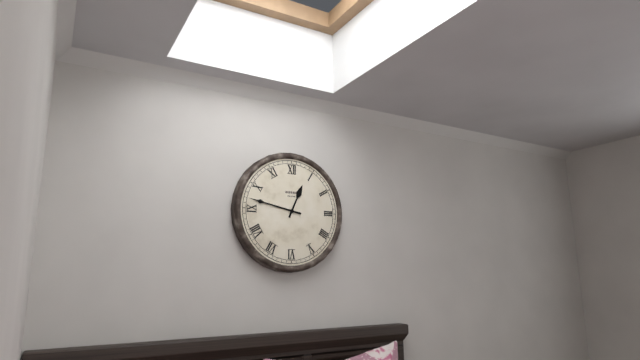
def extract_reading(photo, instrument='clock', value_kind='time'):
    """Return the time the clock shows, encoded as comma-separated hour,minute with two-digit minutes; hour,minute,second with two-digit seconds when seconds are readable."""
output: 12,47
